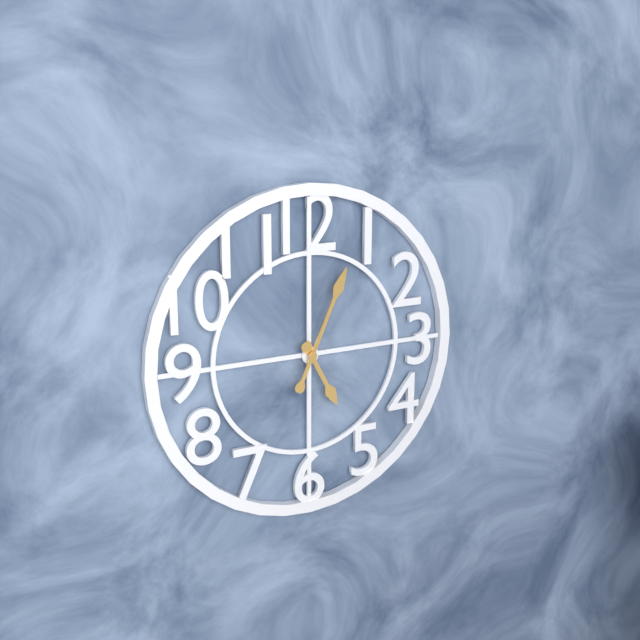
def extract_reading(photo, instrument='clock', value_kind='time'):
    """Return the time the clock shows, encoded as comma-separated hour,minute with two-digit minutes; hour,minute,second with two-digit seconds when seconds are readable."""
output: 5,04
